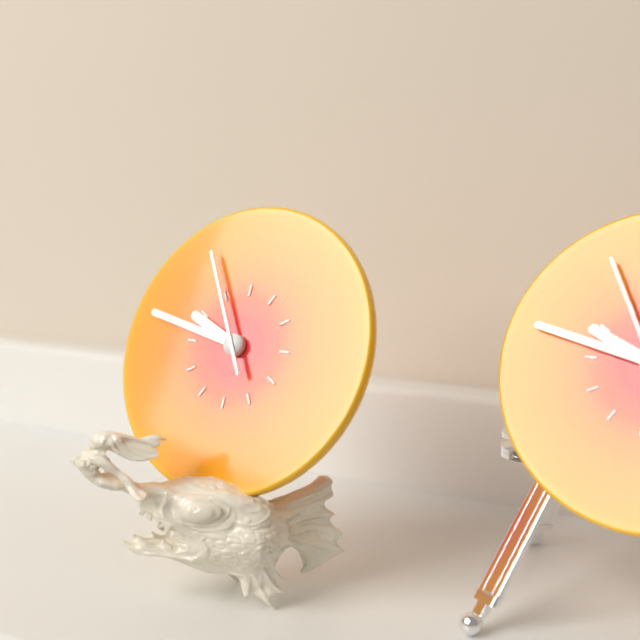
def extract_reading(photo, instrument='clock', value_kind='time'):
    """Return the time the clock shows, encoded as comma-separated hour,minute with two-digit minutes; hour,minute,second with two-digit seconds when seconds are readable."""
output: 9,47,55
